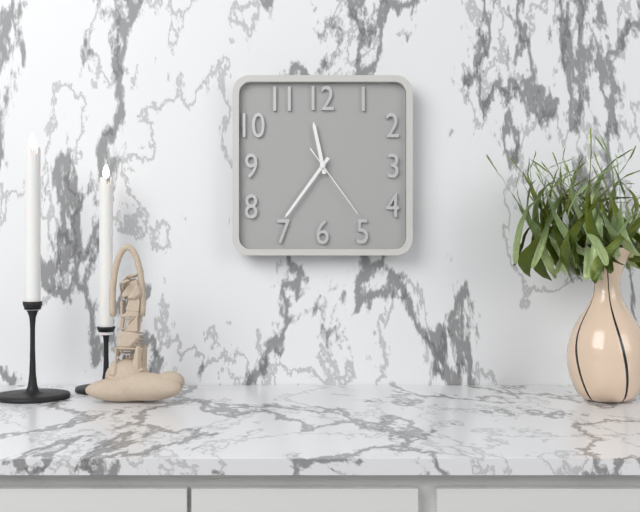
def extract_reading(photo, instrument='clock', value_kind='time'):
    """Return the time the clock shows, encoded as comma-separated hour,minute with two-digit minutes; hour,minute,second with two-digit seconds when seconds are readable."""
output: 11,36,24
